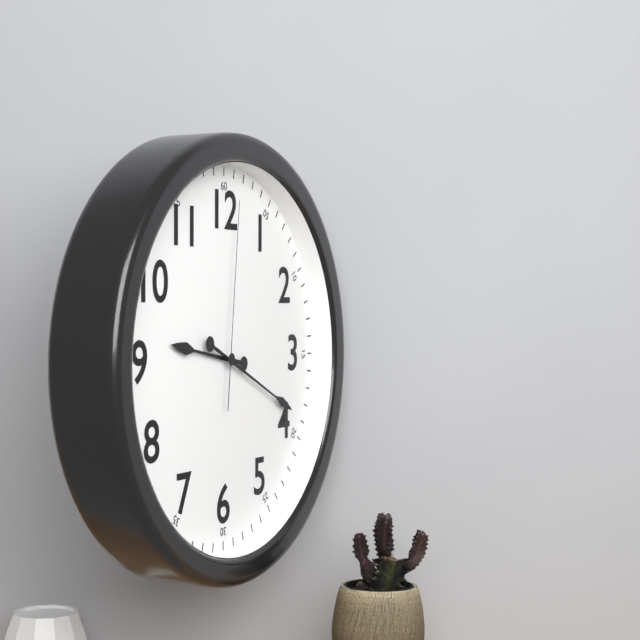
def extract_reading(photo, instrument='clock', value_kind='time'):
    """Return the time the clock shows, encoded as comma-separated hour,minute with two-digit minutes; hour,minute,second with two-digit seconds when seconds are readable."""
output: 9,19,01
